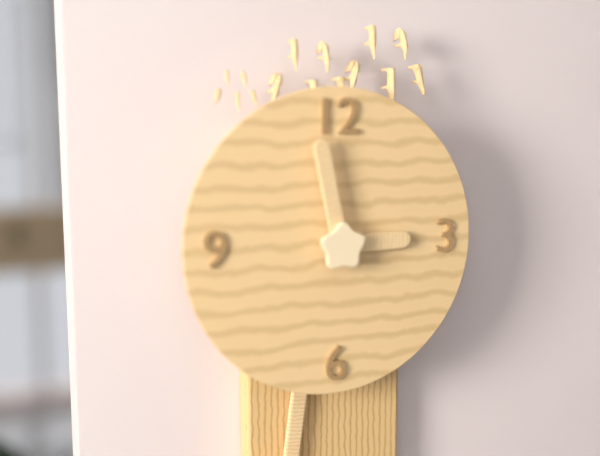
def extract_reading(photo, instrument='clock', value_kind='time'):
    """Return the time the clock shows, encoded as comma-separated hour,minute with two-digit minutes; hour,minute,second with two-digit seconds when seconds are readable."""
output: 2,58
